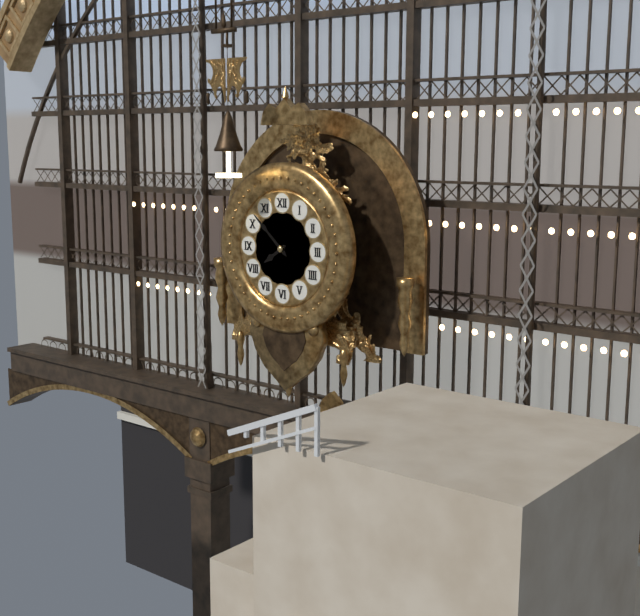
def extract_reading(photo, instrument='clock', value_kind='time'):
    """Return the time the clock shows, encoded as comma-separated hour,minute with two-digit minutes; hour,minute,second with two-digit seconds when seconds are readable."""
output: 7,52
